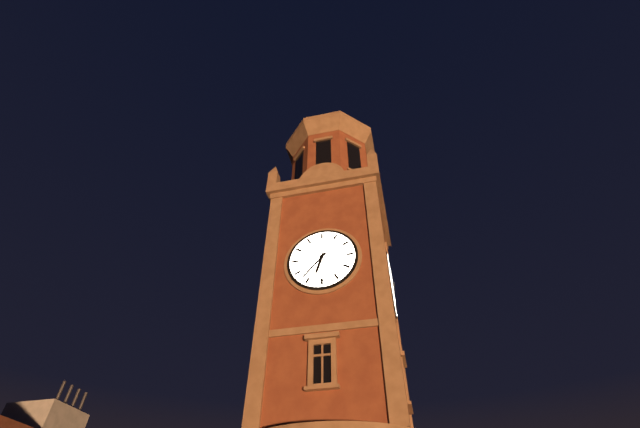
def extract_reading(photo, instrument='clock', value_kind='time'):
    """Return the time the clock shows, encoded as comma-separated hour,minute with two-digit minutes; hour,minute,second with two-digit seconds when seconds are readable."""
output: 6,37
